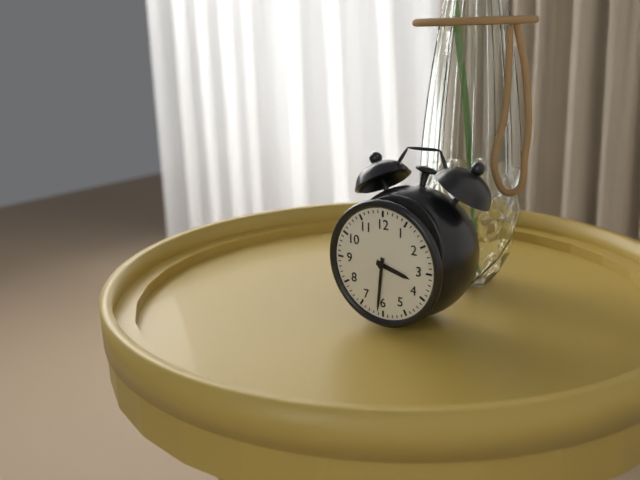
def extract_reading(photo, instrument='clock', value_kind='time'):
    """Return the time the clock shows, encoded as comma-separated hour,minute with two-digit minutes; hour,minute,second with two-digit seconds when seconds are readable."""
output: 3,31
